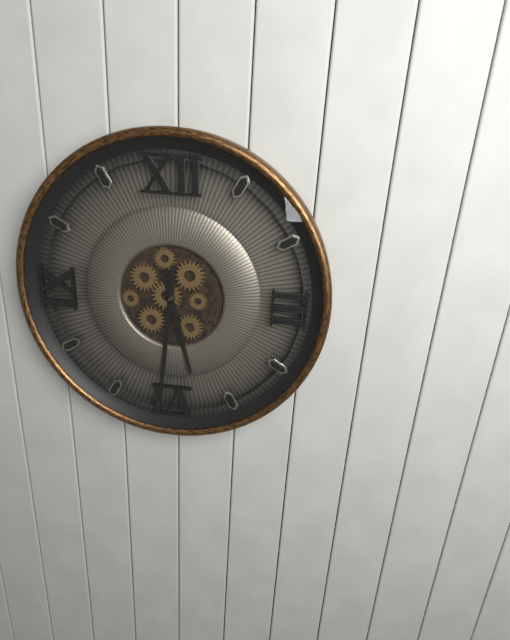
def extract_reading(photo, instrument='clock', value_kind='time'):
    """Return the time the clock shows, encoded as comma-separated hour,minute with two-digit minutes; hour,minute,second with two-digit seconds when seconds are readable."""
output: 5,31
